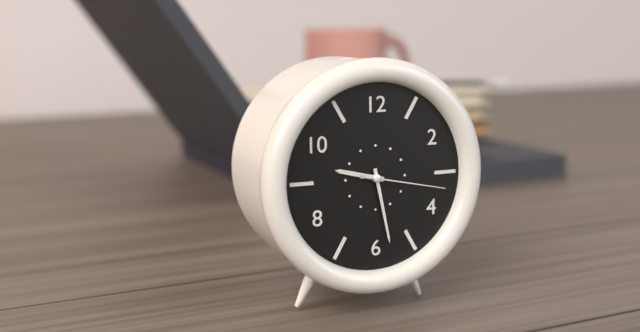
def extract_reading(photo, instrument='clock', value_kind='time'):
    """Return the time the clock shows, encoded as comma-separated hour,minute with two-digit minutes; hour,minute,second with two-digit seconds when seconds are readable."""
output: 9,28,17
